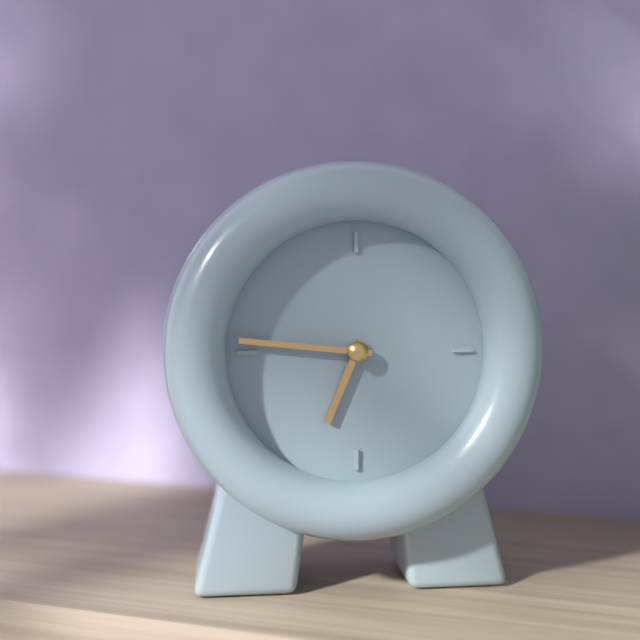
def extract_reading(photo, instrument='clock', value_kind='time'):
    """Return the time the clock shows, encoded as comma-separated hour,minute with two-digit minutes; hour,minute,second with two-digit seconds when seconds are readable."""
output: 6,46
